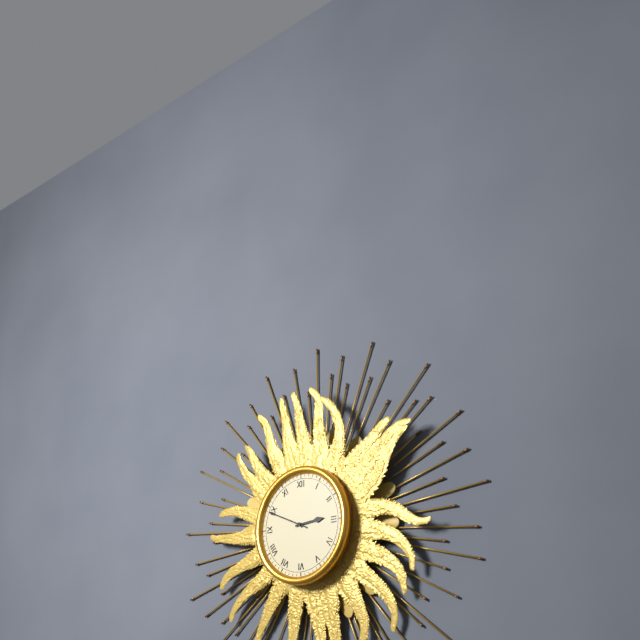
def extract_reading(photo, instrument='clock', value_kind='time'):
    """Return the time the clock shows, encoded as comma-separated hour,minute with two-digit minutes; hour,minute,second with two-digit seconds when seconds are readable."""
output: 2,49
